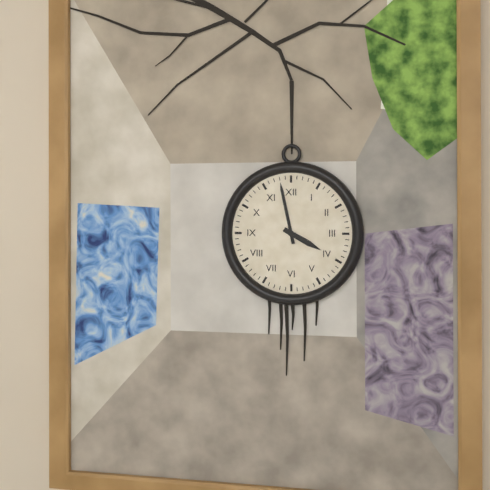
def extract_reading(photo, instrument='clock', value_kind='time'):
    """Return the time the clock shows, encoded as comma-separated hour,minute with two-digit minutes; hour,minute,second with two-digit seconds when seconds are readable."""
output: 3,58
